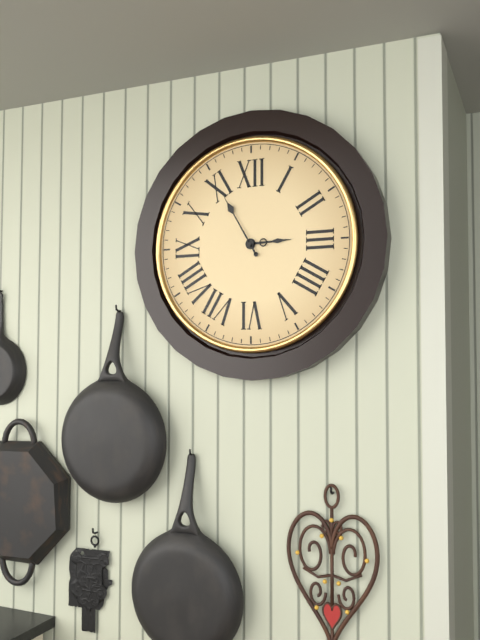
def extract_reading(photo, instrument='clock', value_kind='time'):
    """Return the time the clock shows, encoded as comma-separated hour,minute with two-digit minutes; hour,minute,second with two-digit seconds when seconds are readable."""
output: 2,55
